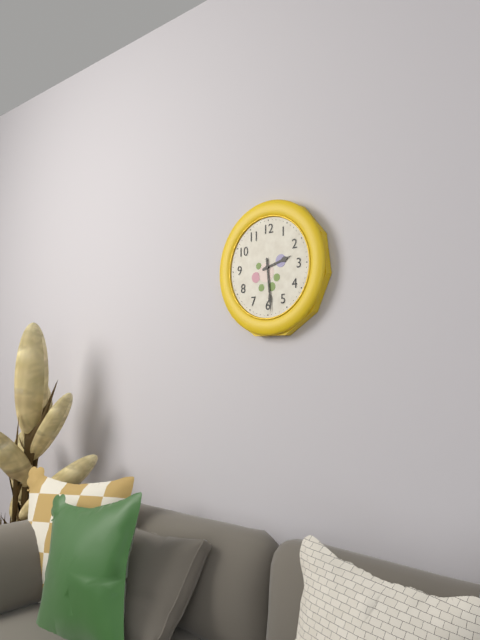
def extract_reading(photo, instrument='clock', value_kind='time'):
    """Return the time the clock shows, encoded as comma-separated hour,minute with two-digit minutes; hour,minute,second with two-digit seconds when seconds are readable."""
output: 2,29
